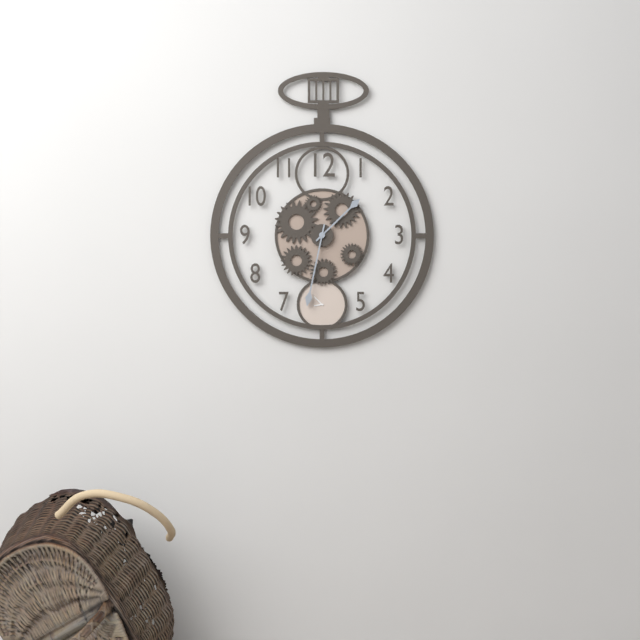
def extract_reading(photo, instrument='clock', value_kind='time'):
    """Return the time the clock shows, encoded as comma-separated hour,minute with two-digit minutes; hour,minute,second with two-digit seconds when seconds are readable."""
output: 1,32
